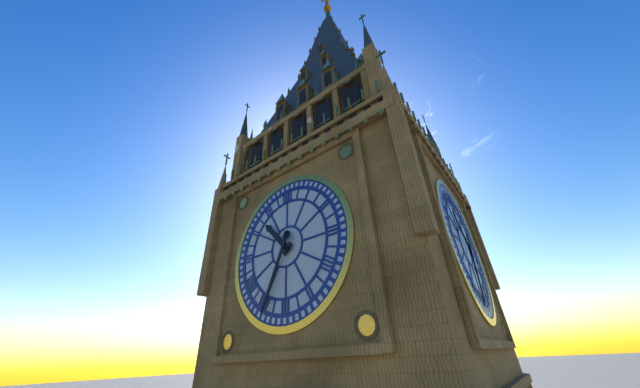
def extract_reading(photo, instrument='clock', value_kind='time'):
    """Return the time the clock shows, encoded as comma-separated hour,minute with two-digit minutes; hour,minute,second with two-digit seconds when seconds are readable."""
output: 10,34
